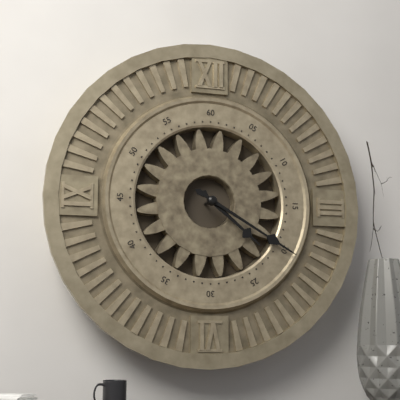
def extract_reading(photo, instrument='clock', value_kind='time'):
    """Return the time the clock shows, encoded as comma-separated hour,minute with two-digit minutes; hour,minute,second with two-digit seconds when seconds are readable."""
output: 4,20
